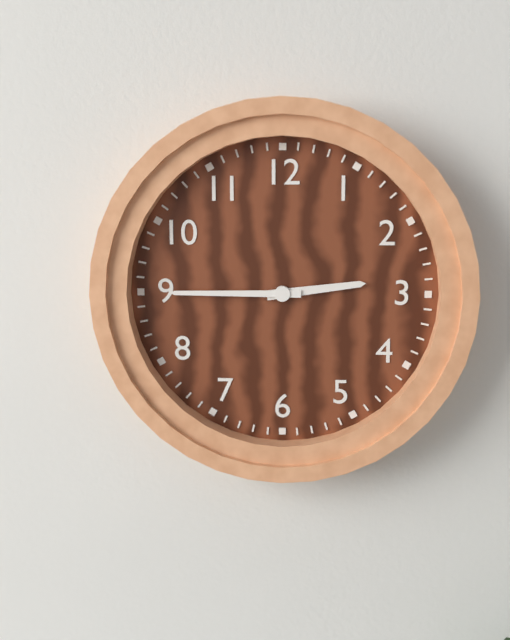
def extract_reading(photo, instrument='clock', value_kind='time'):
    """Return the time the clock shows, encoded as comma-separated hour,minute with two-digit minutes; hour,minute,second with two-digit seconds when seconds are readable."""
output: 2,45
